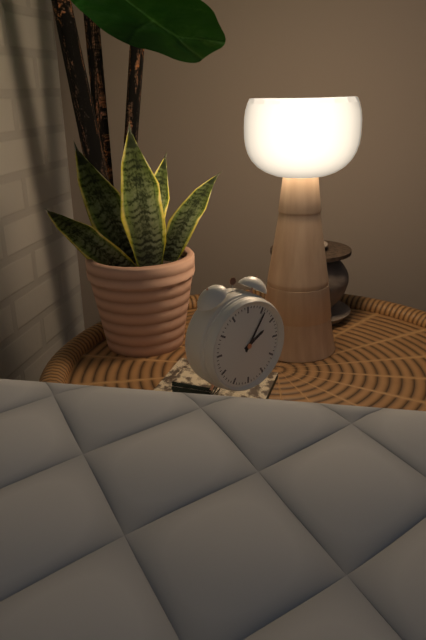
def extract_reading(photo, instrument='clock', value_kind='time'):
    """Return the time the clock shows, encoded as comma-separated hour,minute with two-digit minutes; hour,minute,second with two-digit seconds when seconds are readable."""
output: 2,06
